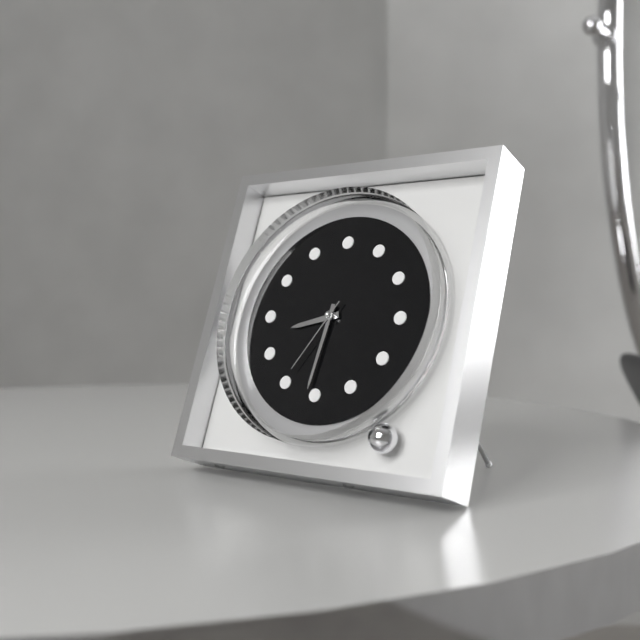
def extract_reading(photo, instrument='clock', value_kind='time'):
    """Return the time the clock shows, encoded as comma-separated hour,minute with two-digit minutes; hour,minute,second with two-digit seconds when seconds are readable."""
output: 8,31,35
